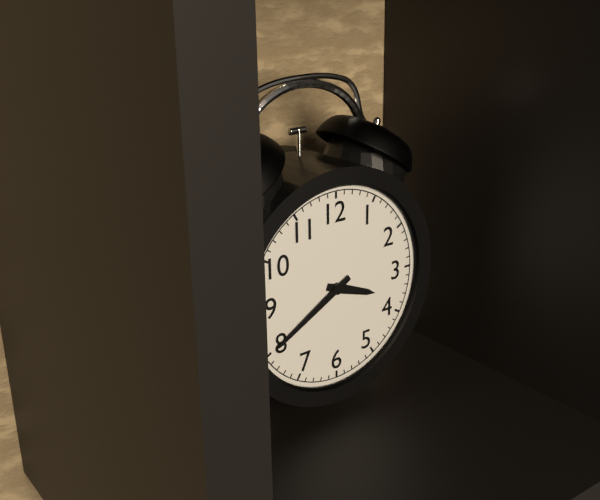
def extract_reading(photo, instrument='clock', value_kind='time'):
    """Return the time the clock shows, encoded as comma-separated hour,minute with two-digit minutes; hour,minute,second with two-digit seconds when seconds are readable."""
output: 3,40
